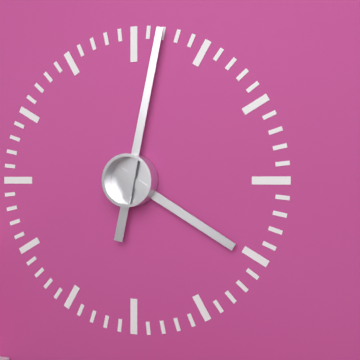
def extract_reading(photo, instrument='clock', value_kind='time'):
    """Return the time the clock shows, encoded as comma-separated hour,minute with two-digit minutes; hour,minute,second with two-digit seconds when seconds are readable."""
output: 4,02
